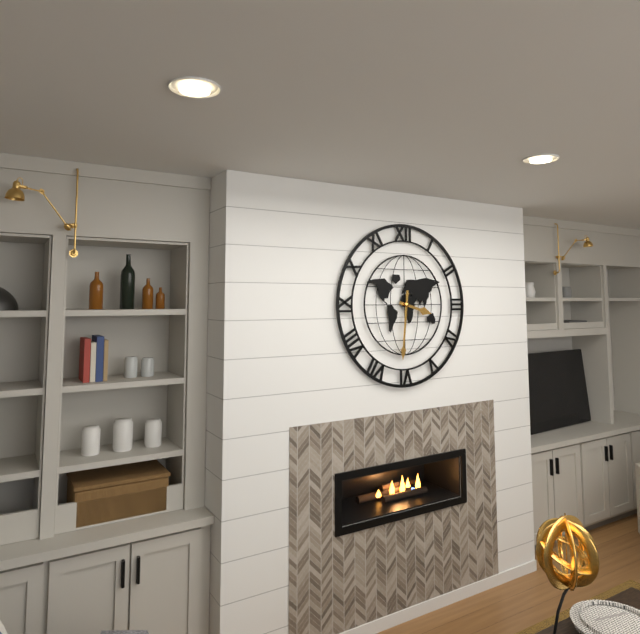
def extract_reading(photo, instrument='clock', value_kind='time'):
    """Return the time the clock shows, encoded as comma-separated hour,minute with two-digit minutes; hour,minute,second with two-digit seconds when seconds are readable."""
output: 3,31
